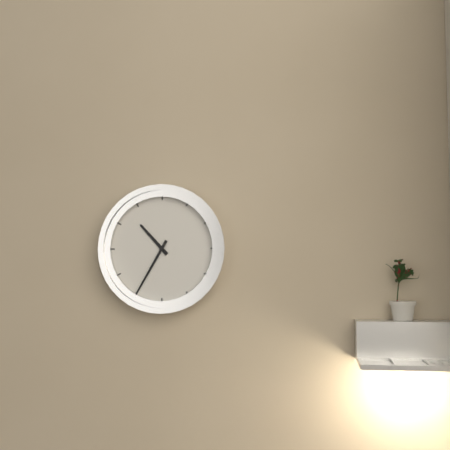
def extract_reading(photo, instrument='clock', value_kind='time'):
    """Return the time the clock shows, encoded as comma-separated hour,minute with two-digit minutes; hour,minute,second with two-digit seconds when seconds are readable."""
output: 10,35
